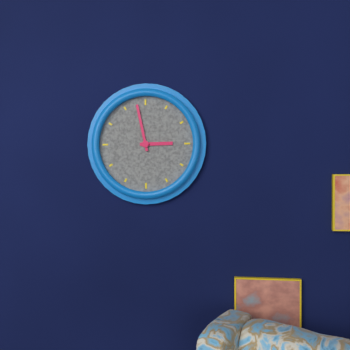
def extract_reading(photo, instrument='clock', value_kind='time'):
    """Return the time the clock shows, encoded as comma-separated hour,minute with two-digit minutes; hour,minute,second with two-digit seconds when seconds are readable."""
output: 2,58
